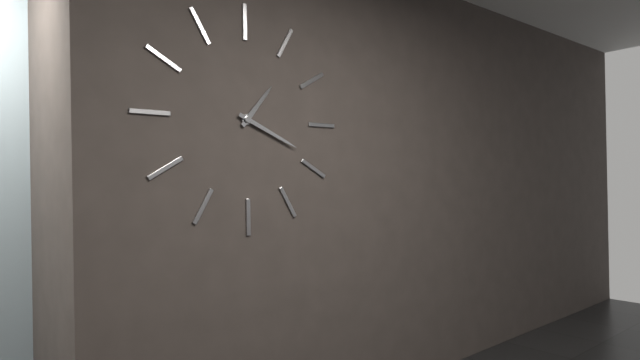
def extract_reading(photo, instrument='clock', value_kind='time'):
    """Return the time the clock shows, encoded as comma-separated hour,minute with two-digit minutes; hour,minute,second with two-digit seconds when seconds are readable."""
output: 1,19
